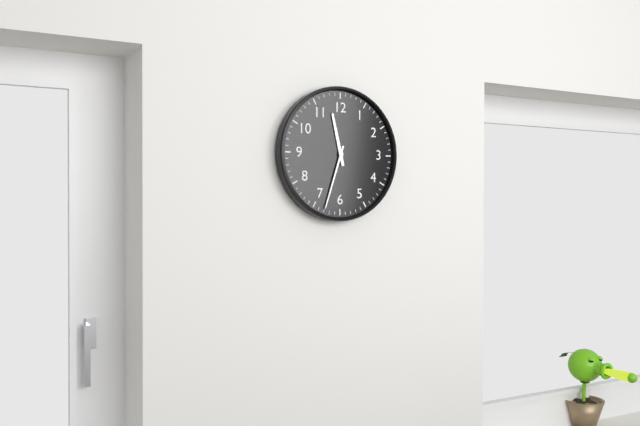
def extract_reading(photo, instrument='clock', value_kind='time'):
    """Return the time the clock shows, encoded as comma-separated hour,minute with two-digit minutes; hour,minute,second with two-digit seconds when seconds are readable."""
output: 11,33
